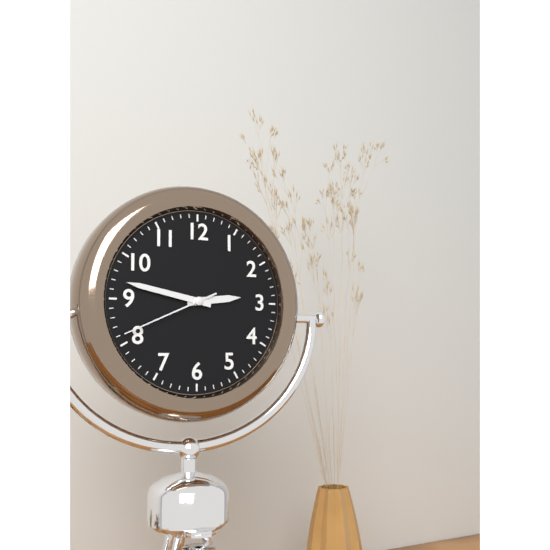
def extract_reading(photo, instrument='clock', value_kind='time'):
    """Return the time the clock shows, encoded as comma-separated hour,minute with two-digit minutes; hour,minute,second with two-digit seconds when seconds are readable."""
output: 2,47,41
